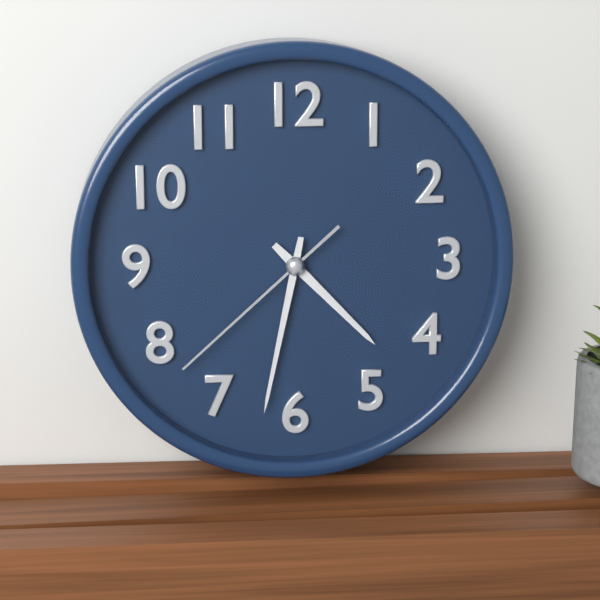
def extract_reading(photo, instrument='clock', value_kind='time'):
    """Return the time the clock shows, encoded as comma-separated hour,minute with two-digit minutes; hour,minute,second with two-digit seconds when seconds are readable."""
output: 4,32,38
